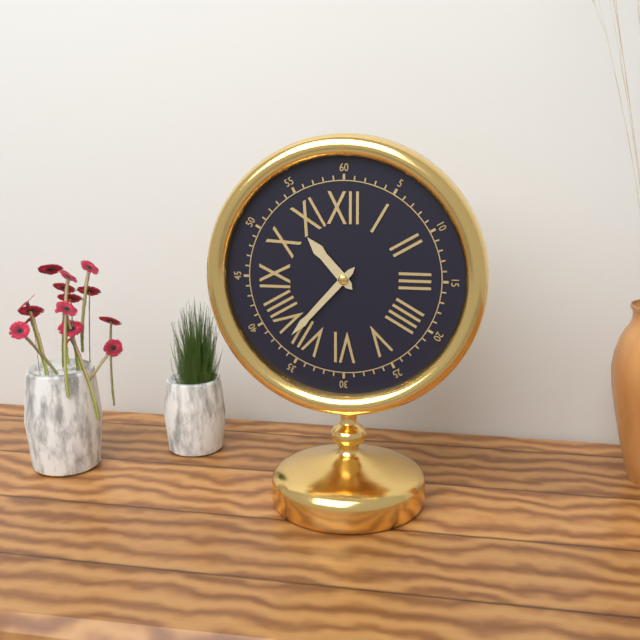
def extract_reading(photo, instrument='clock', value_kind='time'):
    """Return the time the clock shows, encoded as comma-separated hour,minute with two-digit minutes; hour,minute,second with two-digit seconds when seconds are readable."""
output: 10,37
